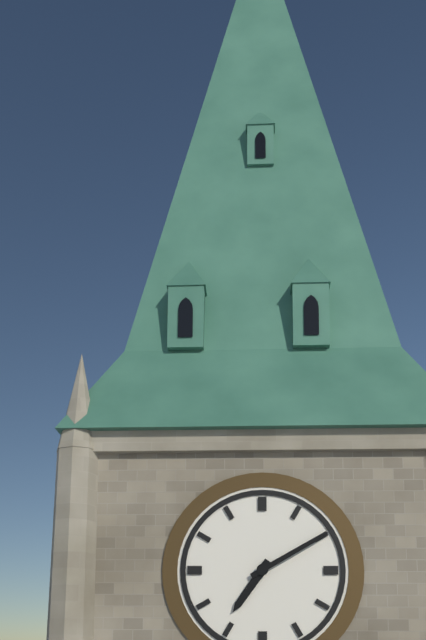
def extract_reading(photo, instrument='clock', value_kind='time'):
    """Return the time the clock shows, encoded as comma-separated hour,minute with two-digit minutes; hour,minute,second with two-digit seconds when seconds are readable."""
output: 7,10
